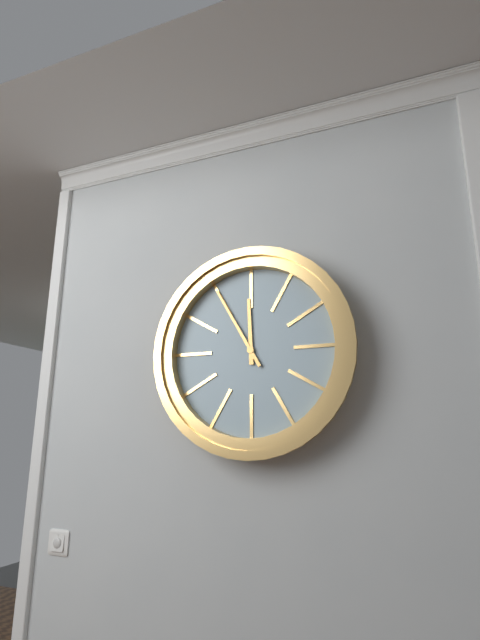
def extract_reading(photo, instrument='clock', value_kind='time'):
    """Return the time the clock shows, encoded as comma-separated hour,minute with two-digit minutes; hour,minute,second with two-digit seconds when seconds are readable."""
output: 11,55
